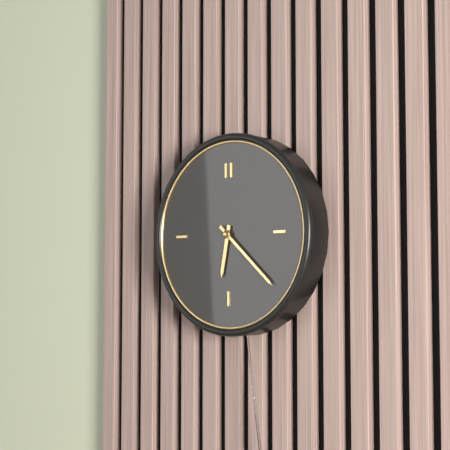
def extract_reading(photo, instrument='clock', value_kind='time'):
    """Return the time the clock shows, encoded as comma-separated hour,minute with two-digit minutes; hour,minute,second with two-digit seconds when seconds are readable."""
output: 6,22
